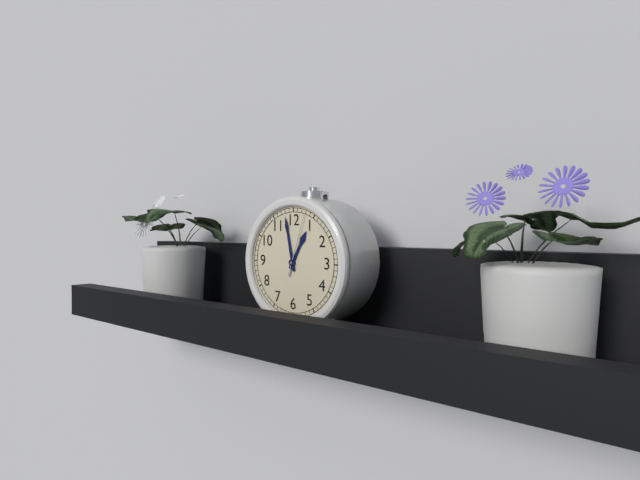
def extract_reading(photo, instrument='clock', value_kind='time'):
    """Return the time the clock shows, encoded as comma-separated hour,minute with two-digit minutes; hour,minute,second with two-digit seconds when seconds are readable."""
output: 12,58,03
